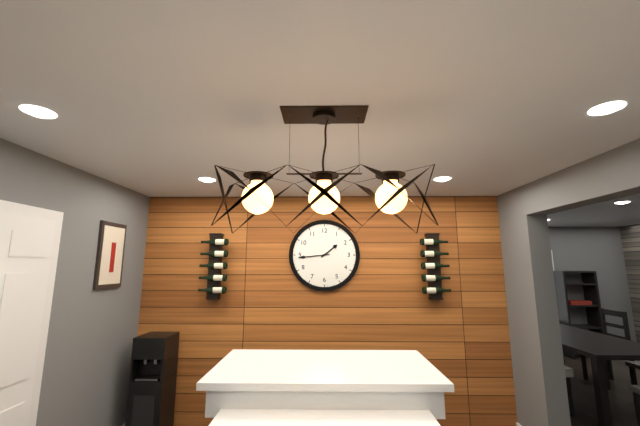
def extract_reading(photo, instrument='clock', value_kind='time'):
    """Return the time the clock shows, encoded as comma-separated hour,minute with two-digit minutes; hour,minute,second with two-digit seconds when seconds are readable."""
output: 1,44
